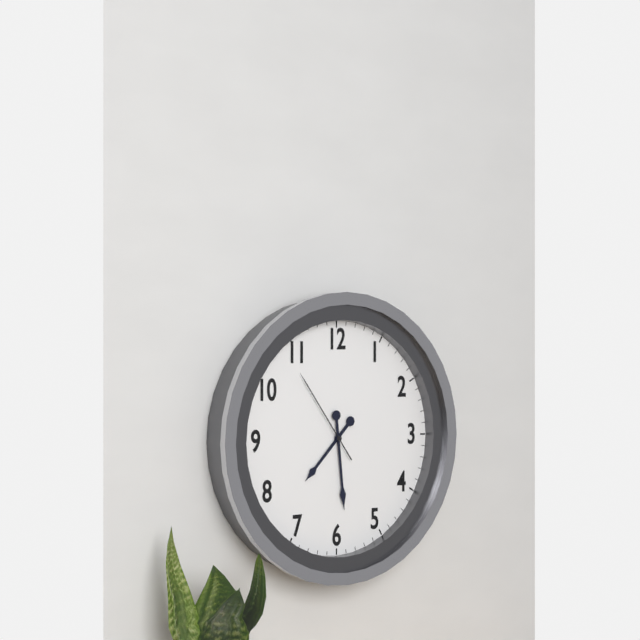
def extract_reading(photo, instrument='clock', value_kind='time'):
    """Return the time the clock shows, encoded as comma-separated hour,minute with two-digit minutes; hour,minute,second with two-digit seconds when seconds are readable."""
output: 7,29,54
